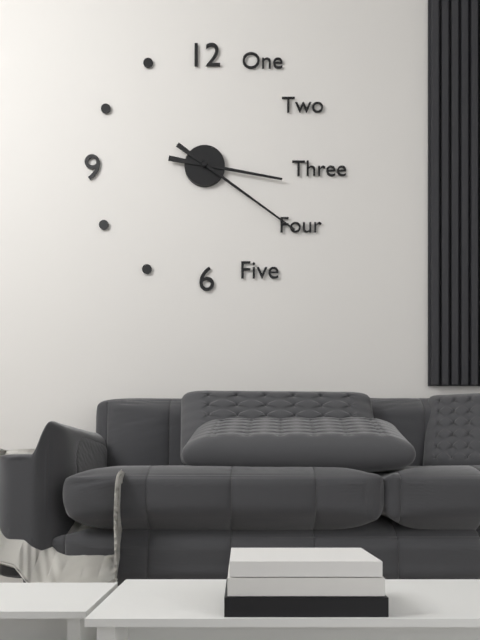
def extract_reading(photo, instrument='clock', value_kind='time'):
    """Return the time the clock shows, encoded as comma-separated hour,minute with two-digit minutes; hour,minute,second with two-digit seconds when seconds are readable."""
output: 3,21
